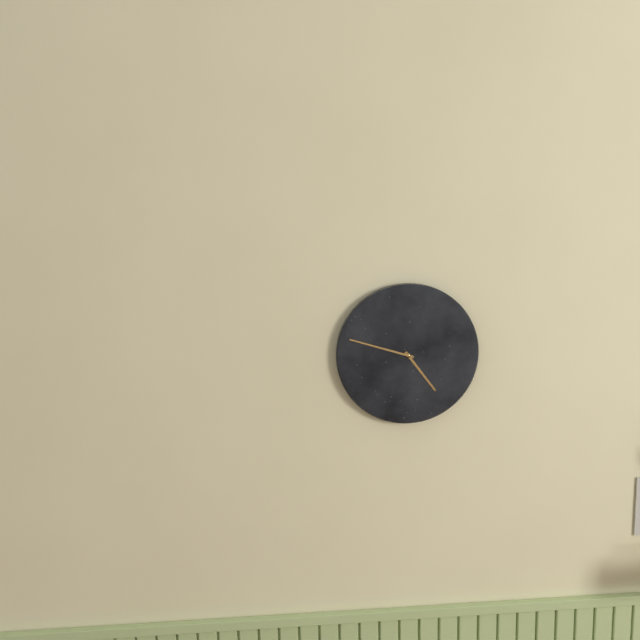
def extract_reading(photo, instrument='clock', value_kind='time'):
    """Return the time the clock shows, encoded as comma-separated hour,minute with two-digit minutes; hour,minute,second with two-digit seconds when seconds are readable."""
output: 4,48
